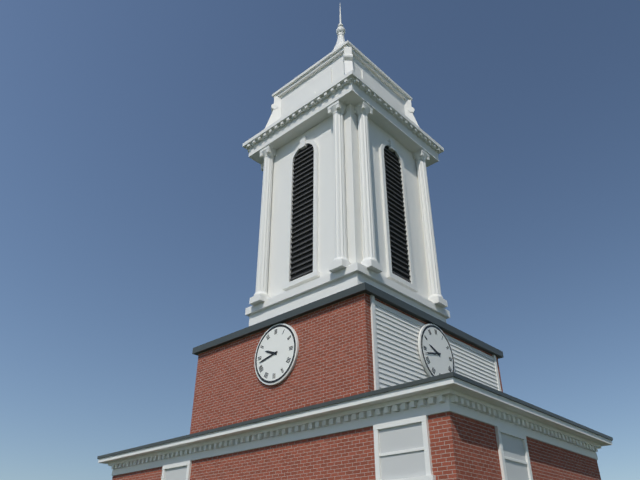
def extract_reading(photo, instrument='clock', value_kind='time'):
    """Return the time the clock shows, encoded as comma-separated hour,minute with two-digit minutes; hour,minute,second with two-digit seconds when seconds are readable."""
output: 9,43
